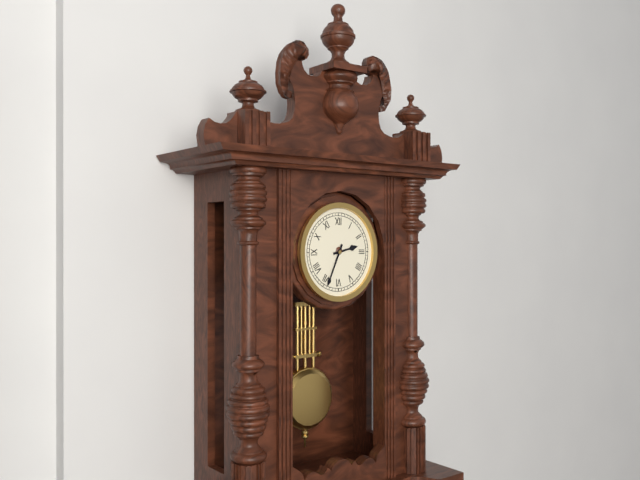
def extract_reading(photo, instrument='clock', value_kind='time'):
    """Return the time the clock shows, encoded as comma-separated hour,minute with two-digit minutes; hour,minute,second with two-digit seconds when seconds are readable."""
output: 2,34
